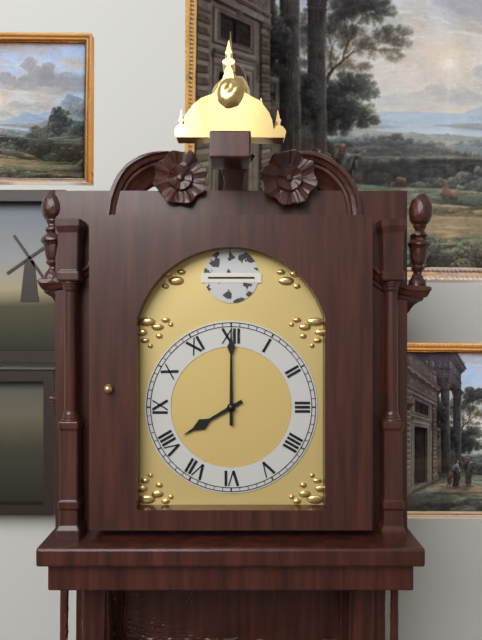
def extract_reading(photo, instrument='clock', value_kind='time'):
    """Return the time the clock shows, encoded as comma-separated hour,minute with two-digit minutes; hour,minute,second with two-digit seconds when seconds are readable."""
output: 8,00
